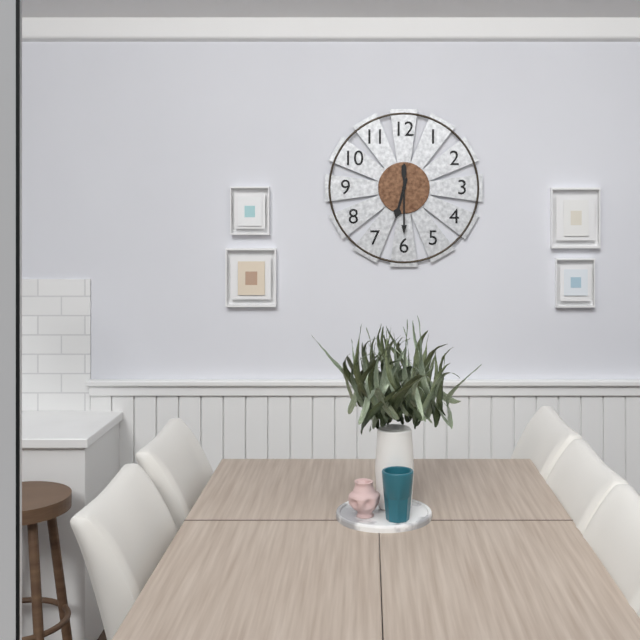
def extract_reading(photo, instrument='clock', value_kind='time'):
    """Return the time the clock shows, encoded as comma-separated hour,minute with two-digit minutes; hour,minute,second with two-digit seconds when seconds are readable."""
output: 6,30
